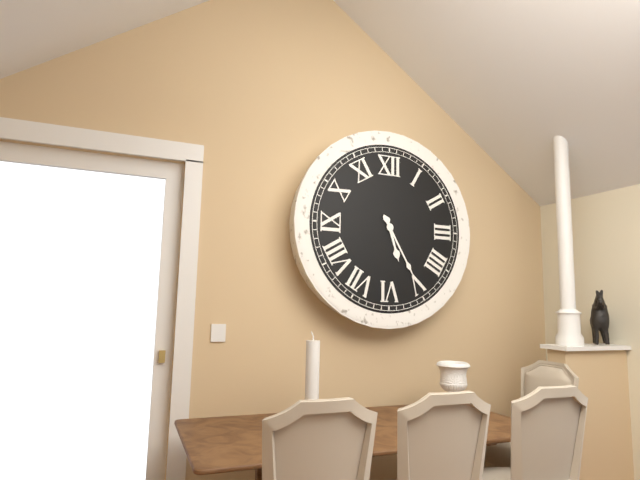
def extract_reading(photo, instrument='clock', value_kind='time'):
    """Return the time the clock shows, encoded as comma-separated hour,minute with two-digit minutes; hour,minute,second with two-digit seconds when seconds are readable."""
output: 5,25
